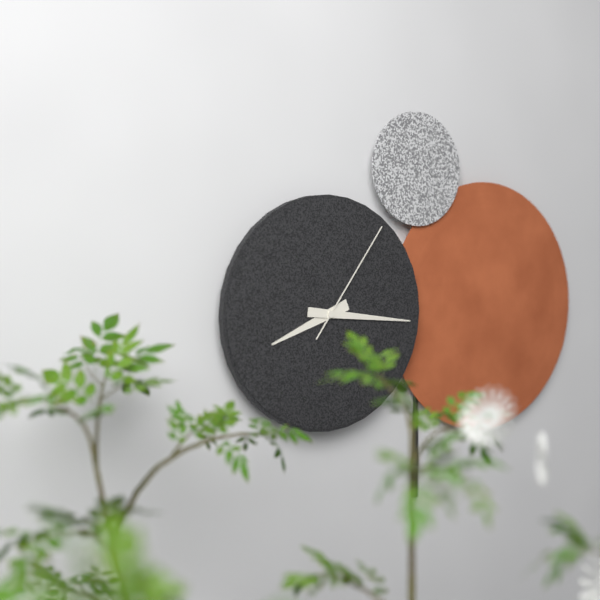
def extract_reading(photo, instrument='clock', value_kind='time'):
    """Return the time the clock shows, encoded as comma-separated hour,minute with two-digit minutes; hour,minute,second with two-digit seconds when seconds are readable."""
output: 8,16,06
